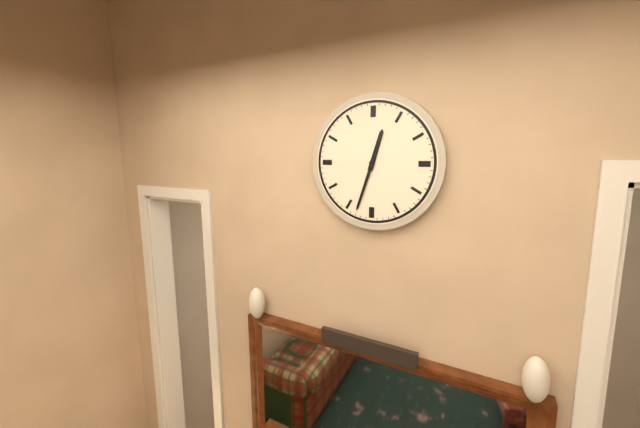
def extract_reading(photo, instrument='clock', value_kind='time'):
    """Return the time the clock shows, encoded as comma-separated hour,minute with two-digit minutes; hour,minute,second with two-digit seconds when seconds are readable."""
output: 12,33
